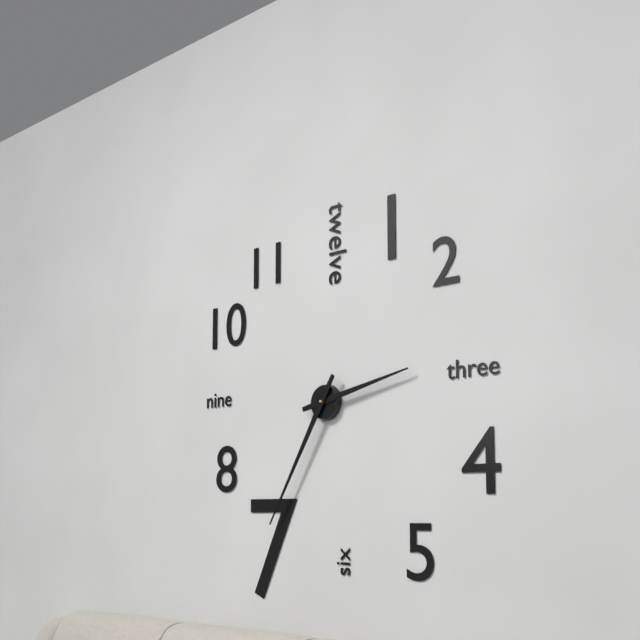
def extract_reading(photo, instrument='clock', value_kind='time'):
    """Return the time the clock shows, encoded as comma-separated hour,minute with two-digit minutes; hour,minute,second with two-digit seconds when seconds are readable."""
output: 2,35
